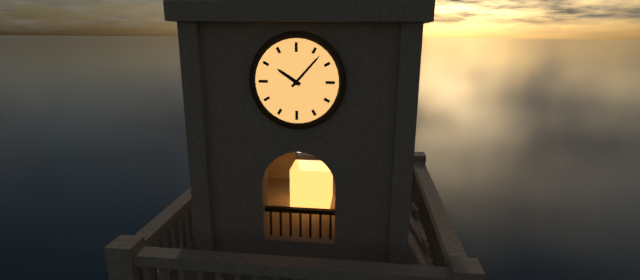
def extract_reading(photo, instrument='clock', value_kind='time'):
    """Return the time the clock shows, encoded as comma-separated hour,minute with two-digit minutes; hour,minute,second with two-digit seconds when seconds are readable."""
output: 10,07
